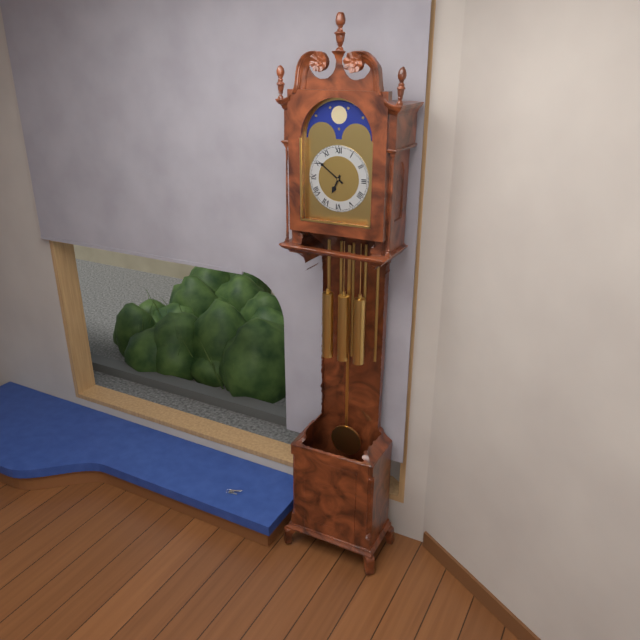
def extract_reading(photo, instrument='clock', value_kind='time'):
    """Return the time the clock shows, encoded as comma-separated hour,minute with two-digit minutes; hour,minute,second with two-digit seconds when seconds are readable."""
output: 6,51
